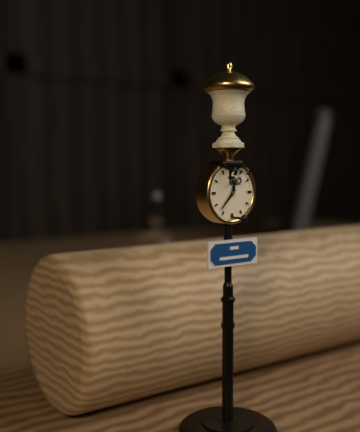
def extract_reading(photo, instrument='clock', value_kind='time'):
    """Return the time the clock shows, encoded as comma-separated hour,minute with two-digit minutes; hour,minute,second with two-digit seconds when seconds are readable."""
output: 12,37
